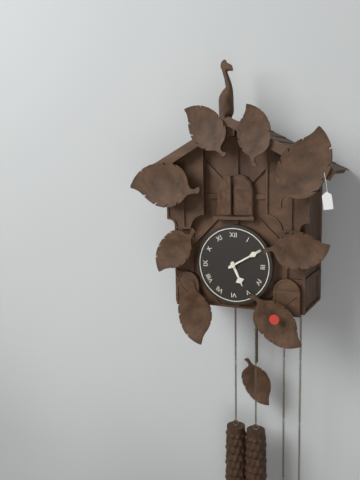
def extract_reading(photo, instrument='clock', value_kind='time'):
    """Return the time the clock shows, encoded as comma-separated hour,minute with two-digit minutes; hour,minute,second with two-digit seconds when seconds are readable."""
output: 5,10
